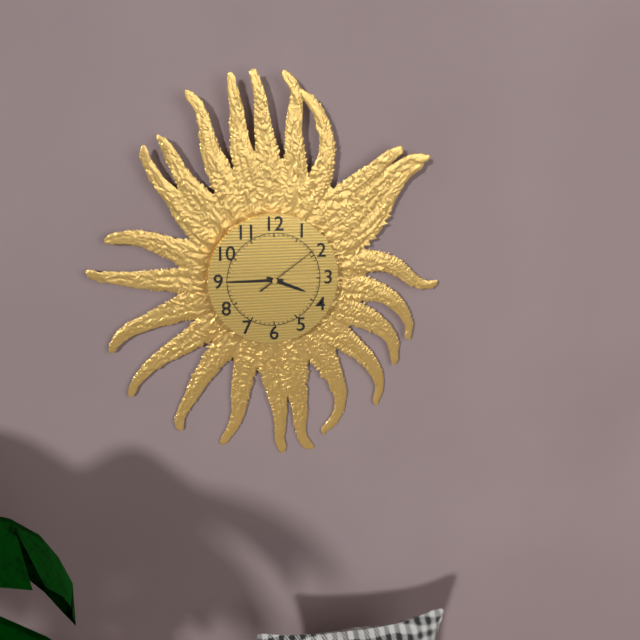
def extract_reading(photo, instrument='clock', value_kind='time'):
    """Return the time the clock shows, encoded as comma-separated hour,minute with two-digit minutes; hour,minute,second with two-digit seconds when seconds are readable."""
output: 3,45,09
